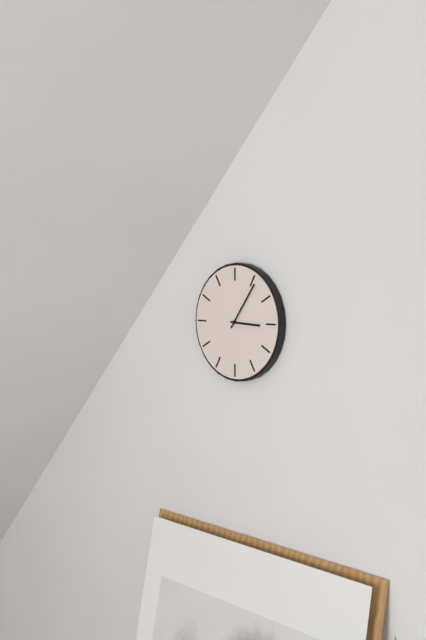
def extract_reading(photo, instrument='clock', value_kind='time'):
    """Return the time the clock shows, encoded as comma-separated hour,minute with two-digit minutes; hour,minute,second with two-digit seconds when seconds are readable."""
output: 3,06
